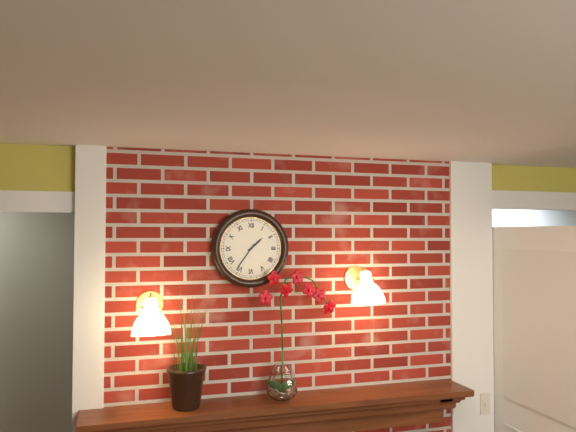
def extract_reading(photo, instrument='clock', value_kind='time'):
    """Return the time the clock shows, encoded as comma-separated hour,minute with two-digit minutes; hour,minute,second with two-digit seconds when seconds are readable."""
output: 1,36
